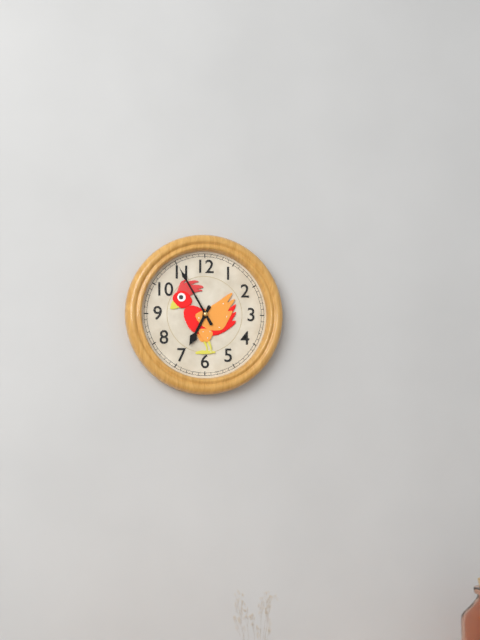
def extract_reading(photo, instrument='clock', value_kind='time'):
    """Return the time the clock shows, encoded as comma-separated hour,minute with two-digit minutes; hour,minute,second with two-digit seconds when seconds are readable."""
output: 6,55
